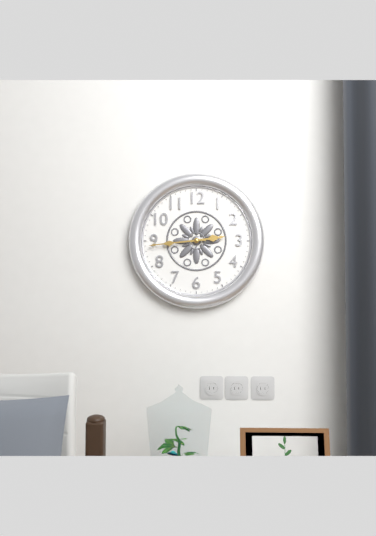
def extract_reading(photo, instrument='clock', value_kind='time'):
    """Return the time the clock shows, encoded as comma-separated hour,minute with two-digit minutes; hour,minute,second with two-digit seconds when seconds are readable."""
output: 2,44
